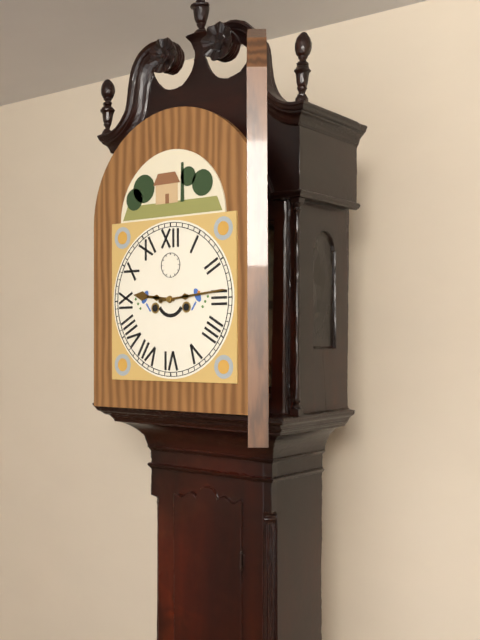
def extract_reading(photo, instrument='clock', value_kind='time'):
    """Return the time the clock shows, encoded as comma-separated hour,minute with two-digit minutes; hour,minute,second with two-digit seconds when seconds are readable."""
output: 9,14
